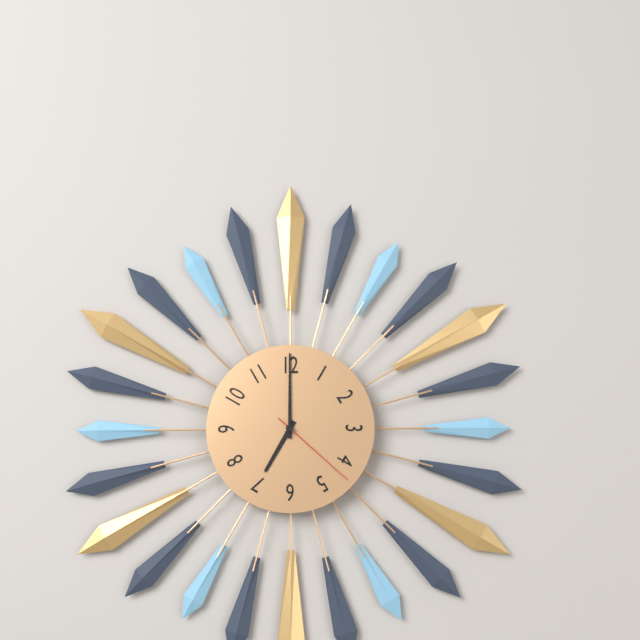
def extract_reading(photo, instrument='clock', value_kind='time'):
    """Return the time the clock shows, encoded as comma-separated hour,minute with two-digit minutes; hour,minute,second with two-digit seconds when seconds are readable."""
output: 7,00,22
